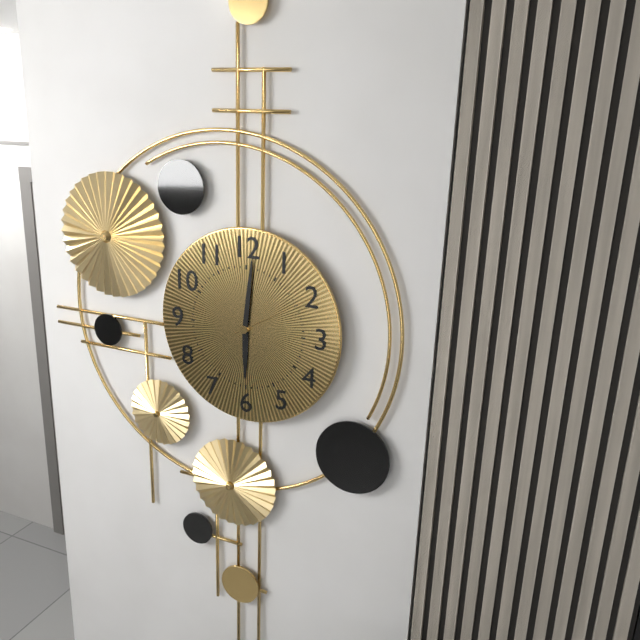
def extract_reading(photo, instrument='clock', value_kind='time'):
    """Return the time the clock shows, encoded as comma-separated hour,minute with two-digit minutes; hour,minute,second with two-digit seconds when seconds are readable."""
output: 6,01,10
